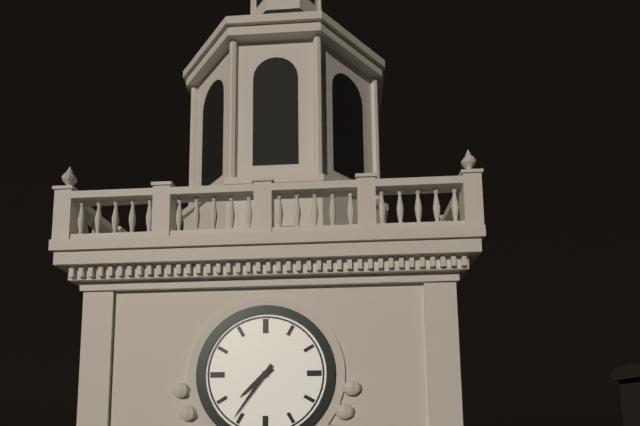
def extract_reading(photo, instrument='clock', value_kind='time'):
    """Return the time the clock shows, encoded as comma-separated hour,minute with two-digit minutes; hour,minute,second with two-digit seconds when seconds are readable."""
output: 7,36
